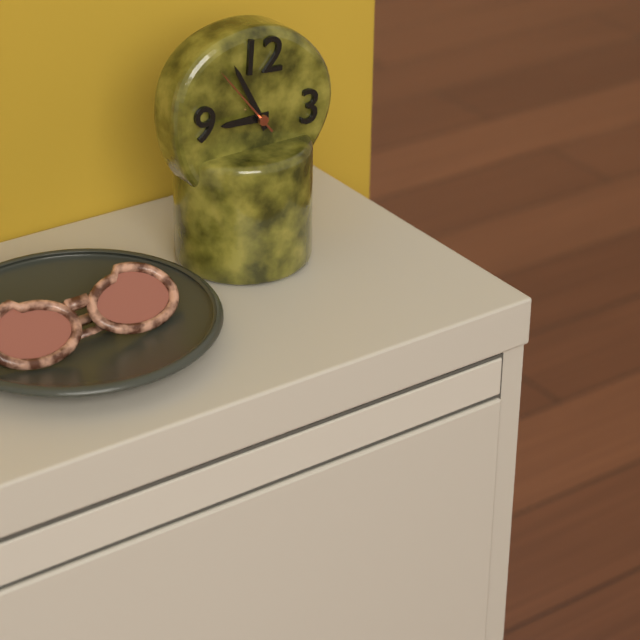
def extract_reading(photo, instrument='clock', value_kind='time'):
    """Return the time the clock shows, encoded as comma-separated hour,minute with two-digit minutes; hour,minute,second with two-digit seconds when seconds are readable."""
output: 8,55,53
